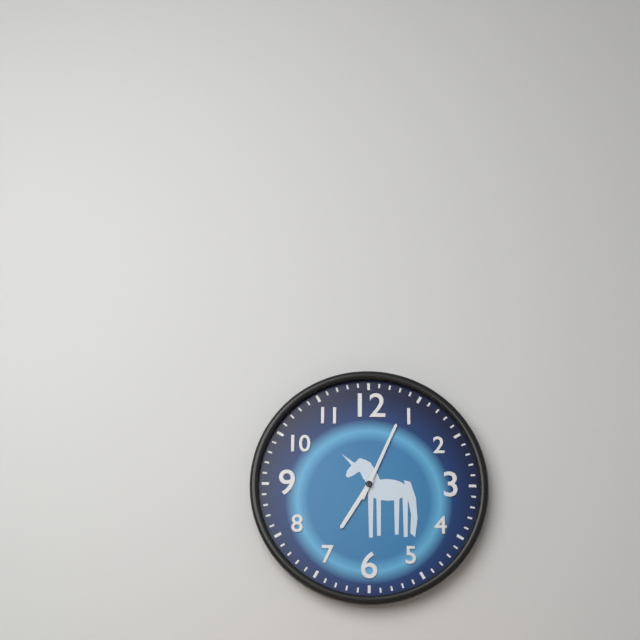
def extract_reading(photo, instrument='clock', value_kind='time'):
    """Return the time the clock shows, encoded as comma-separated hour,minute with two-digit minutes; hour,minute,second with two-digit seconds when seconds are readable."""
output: 7,04
